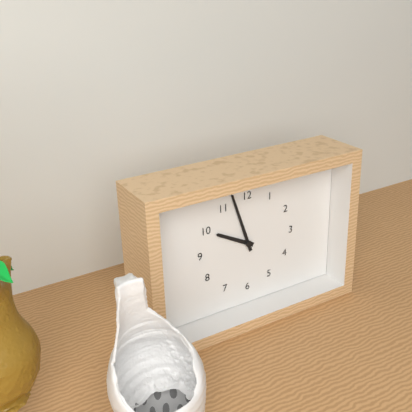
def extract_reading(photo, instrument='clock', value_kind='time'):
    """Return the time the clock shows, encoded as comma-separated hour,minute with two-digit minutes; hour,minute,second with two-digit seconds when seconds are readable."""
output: 9,57
